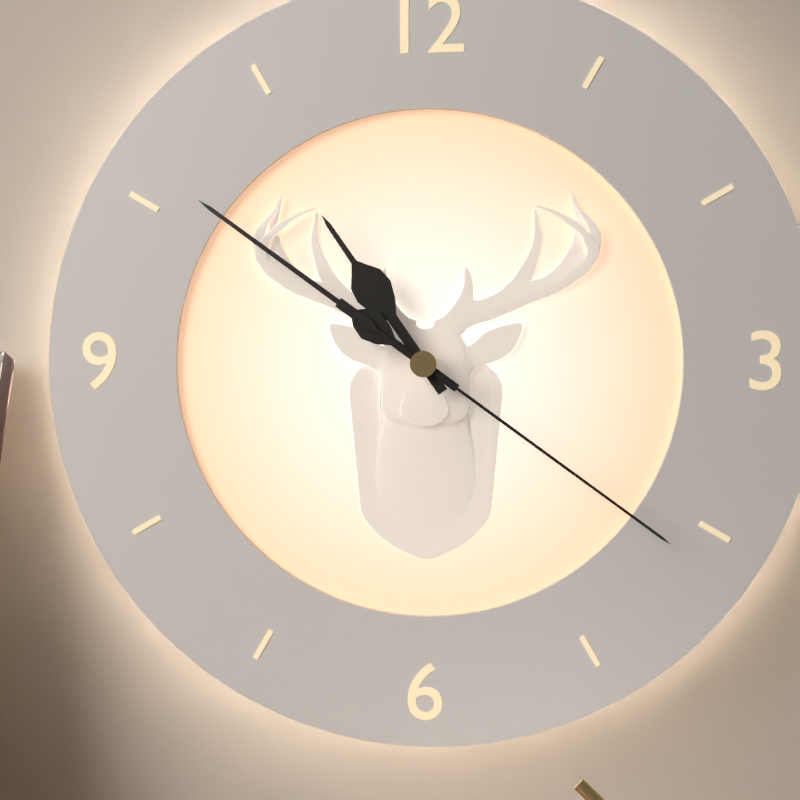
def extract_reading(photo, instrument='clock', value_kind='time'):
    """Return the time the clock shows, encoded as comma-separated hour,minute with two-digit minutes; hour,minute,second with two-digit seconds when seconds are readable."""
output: 10,51,21
